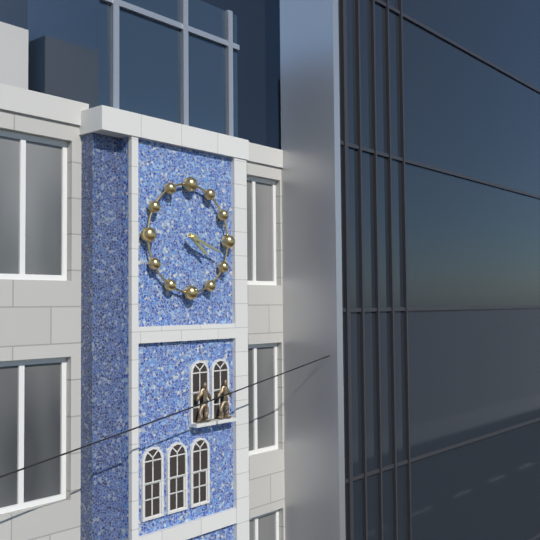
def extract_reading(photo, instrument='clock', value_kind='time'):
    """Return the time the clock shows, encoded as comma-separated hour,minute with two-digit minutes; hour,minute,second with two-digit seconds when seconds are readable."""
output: 4,18
